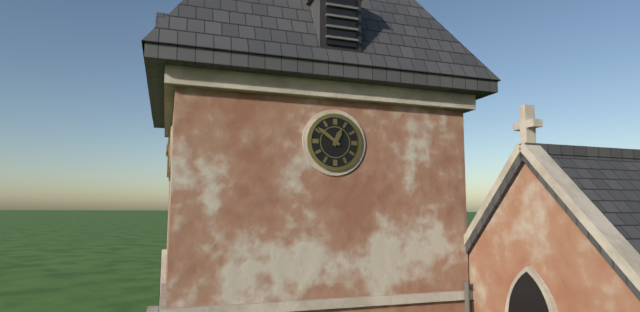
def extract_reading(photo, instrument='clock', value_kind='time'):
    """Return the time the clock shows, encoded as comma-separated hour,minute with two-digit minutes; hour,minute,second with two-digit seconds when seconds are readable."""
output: 12,51
